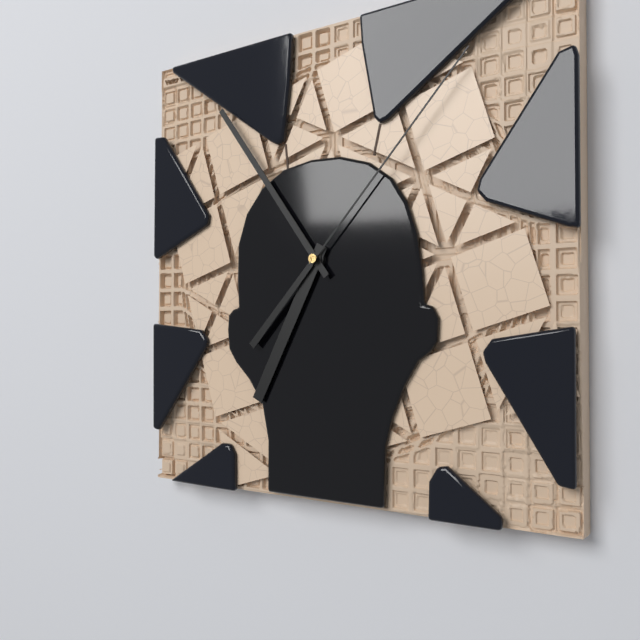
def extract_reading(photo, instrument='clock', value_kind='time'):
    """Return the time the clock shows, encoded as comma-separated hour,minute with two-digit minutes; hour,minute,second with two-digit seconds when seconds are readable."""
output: 6,54,07
